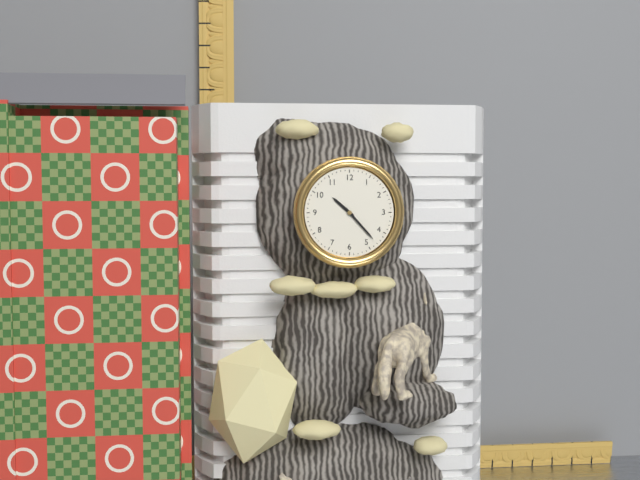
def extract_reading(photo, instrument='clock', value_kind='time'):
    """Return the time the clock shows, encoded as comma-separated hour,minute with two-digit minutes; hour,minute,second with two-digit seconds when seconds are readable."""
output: 10,23
